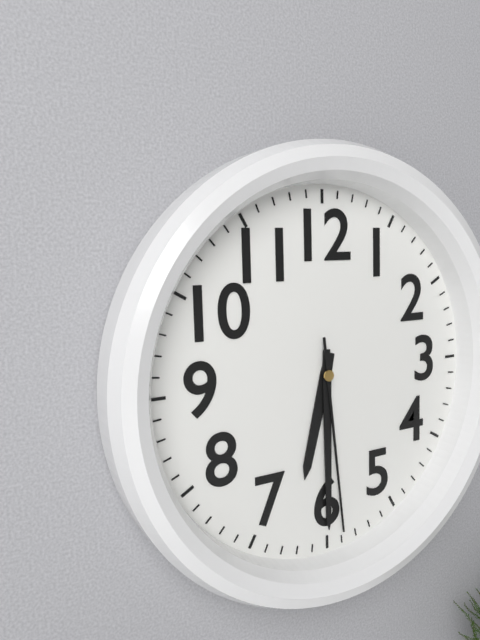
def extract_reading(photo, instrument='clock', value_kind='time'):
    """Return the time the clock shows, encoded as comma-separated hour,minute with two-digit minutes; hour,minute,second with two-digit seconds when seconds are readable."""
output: 6,30,29
